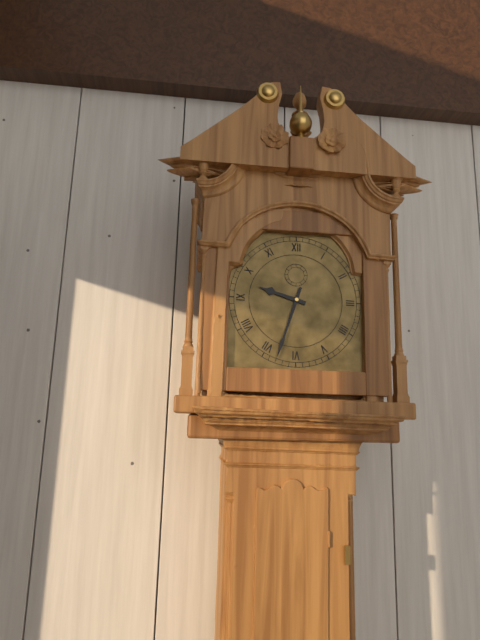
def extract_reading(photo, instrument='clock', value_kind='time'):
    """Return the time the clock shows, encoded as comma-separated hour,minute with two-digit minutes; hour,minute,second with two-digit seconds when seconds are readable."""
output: 9,33
